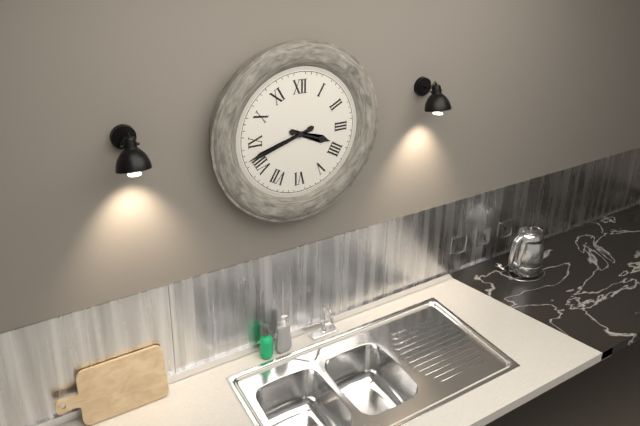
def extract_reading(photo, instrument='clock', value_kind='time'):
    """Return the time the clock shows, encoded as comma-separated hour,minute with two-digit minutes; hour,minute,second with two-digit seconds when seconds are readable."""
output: 3,42
